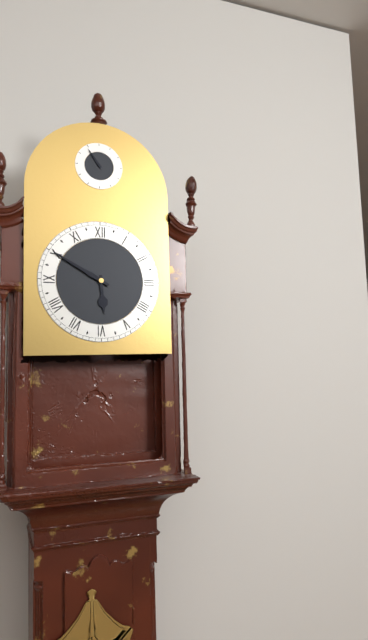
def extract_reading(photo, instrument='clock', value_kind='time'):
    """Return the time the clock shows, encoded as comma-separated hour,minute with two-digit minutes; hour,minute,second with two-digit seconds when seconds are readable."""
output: 5,50
